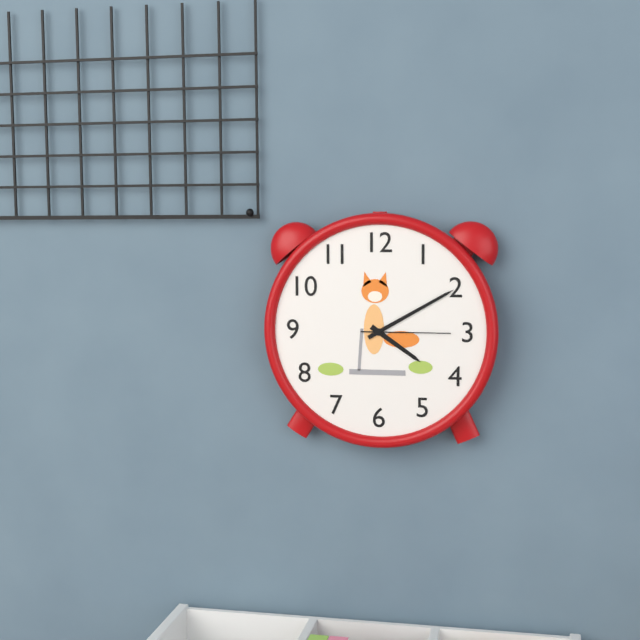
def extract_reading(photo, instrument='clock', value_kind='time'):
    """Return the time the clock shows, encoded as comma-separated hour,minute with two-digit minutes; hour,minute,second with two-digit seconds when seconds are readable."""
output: 4,10,15
